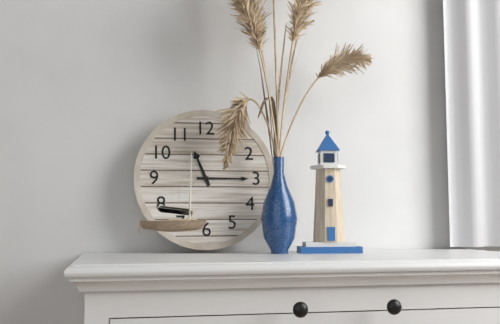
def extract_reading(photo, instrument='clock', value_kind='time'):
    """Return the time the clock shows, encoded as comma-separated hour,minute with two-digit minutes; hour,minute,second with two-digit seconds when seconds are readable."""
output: 11,15
